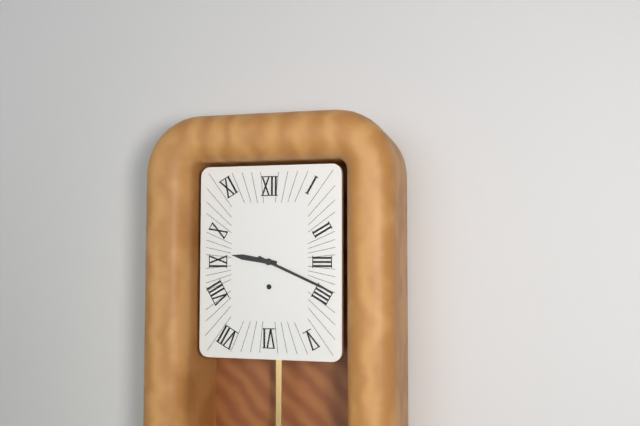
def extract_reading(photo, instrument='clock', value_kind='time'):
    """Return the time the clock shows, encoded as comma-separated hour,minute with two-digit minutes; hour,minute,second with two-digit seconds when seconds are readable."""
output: 9,19
